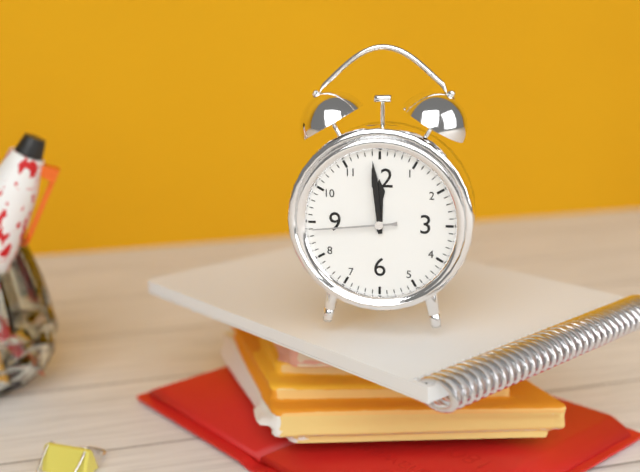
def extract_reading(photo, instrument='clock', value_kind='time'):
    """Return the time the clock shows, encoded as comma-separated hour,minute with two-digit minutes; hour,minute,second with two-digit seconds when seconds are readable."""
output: 11,59,44
